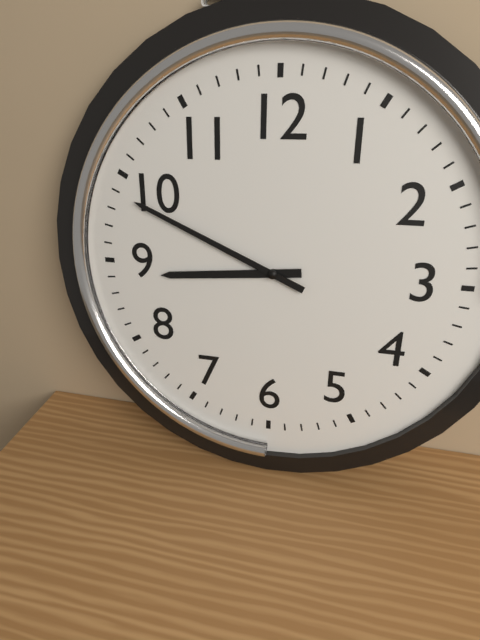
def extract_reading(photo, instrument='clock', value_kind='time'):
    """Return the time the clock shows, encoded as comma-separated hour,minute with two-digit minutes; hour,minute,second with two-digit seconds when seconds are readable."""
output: 8,49
